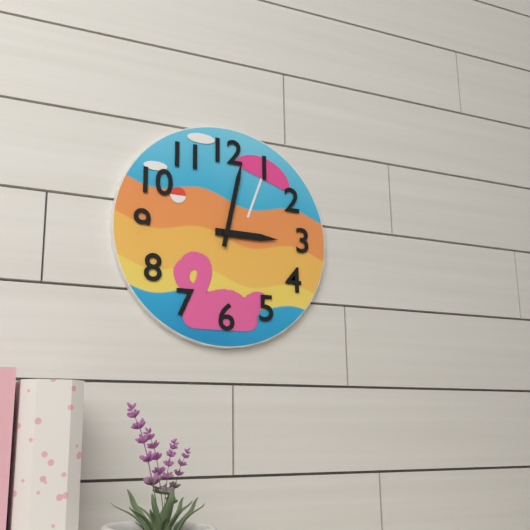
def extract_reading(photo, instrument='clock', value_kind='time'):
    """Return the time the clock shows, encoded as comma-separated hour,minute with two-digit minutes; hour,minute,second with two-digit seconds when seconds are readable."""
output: 3,02
